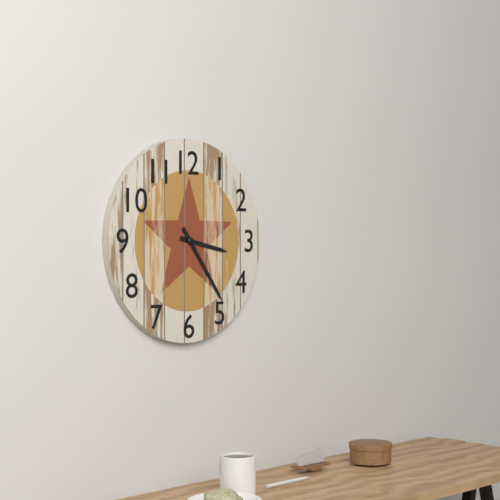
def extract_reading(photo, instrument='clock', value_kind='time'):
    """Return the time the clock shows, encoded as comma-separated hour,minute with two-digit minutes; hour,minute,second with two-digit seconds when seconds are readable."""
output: 3,24
